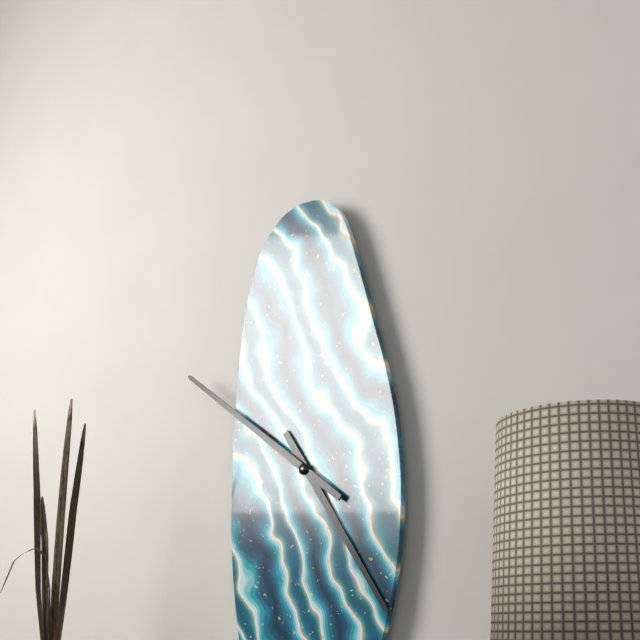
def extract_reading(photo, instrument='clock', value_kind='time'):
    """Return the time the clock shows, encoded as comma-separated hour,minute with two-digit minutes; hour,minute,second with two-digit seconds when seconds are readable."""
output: 4,51
